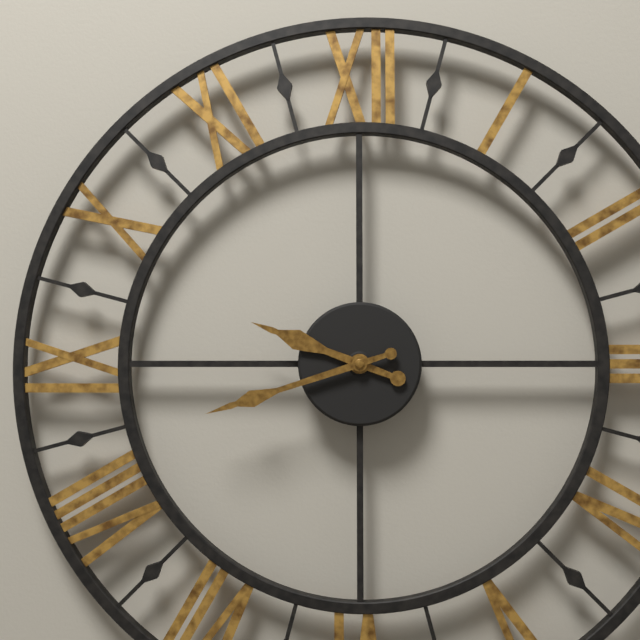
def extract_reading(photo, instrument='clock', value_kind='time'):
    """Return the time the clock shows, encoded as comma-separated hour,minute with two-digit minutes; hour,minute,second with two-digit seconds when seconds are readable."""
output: 9,42
